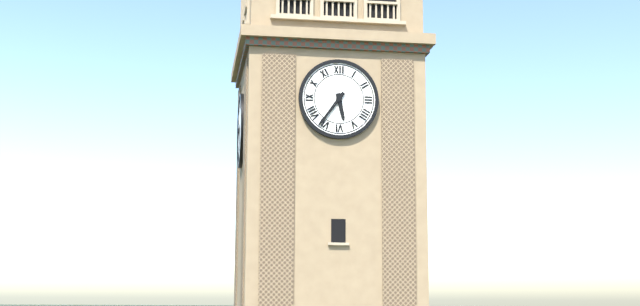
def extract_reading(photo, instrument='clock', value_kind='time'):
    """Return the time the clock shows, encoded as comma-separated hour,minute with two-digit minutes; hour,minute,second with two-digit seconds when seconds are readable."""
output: 5,36
